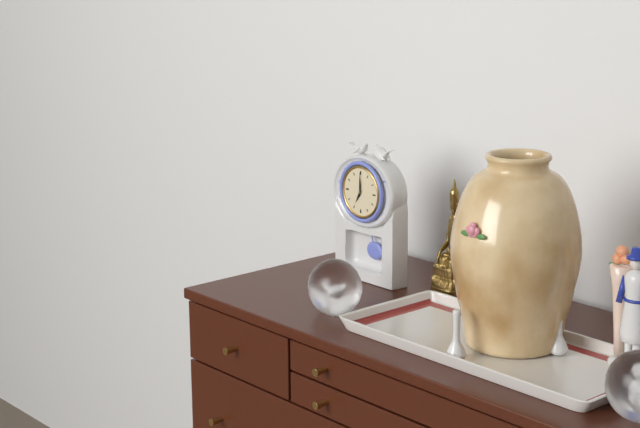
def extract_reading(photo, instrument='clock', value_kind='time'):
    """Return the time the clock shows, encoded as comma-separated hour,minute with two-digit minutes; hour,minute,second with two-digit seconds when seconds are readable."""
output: 7,00
